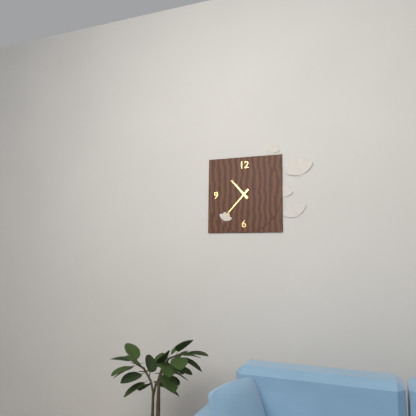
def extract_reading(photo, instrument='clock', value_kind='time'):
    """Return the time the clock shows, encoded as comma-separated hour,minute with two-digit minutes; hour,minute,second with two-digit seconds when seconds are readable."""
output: 10,37
